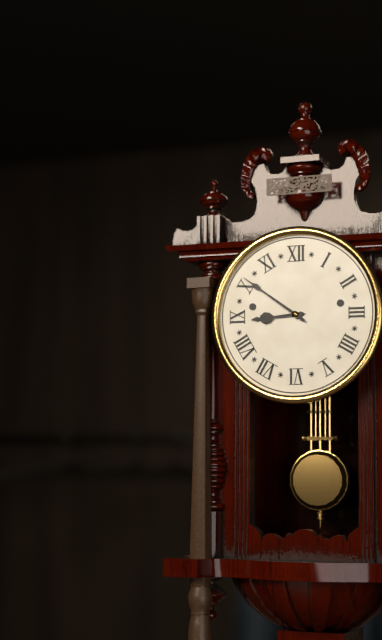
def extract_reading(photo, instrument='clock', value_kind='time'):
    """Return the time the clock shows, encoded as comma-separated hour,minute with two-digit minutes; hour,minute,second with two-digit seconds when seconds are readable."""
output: 8,51
